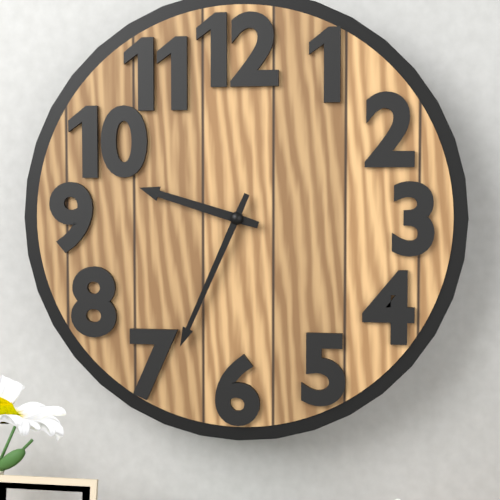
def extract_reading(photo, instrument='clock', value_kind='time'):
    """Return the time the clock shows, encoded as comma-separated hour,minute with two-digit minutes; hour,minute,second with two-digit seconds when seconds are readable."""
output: 9,34
